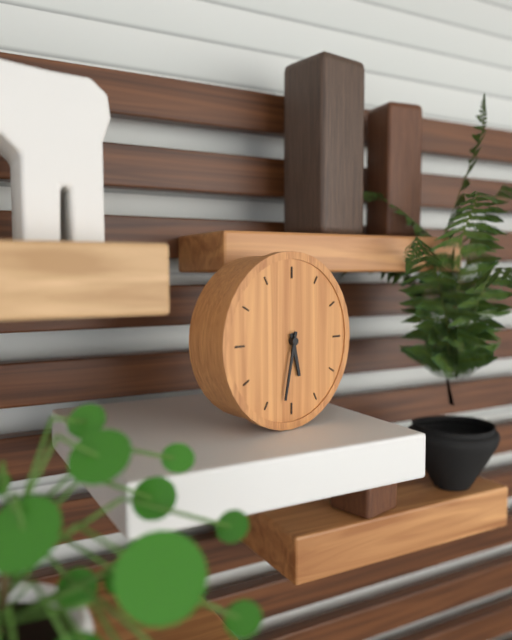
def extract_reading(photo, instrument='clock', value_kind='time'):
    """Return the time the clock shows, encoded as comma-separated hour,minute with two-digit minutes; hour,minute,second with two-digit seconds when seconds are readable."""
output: 5,32
